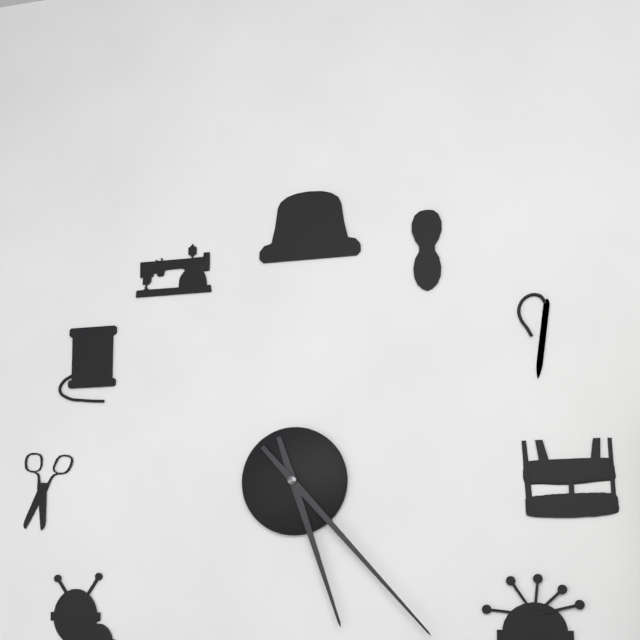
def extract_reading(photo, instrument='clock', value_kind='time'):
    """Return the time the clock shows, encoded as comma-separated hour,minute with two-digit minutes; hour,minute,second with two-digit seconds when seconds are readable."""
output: 5,23
